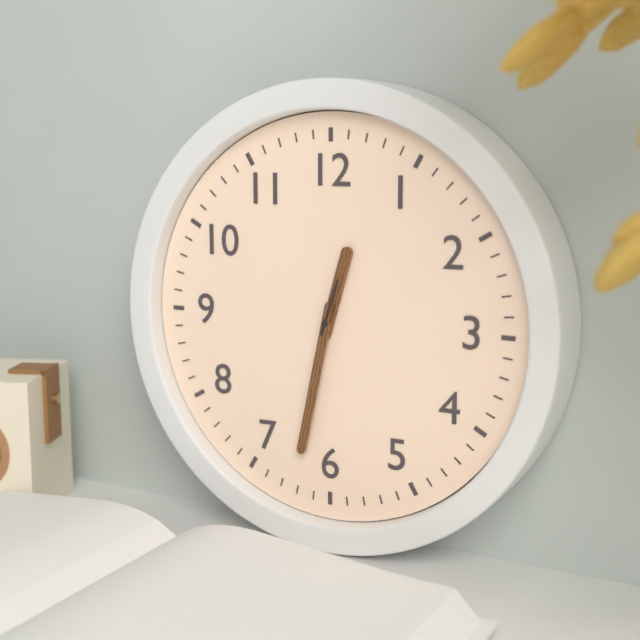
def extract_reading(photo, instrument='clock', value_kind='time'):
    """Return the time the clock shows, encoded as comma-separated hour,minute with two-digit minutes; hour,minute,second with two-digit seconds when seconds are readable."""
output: 12,32,03
